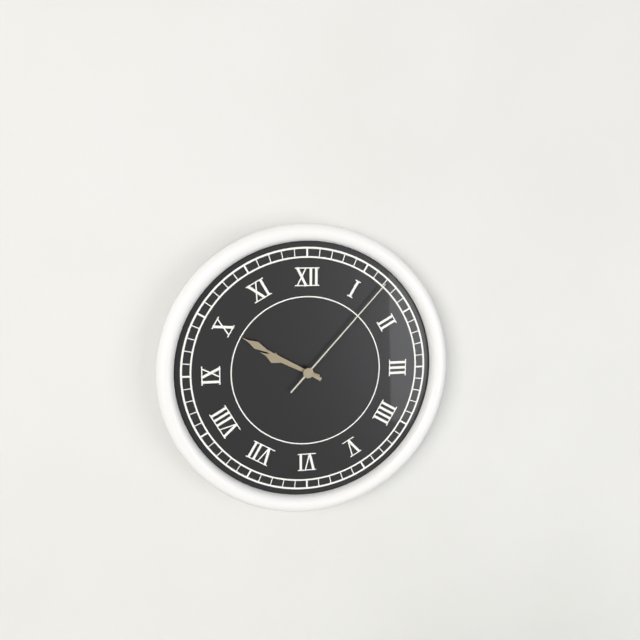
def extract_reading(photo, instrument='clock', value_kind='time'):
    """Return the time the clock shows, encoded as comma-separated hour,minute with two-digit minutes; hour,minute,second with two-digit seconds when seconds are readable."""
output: 9,50,07
